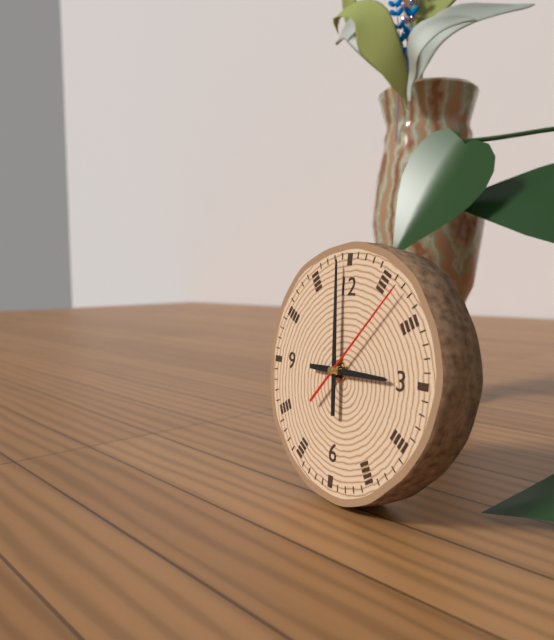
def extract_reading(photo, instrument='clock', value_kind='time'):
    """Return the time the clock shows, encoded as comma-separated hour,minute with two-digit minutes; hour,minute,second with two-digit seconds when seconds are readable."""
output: 2,59,07
